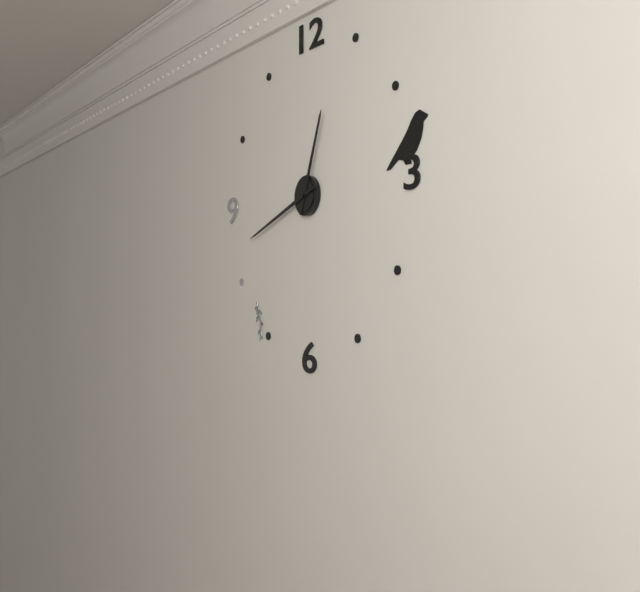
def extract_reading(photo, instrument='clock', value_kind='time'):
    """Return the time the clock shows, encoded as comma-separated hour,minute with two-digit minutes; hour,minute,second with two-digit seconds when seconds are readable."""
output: 12,42
